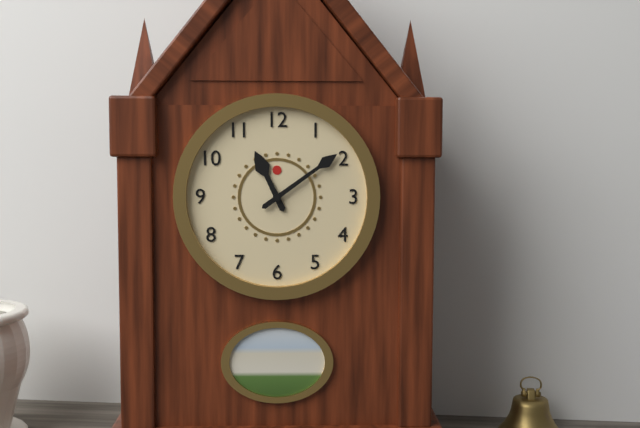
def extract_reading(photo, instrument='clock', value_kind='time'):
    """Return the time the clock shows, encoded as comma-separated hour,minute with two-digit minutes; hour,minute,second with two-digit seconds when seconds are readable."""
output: 11,09
